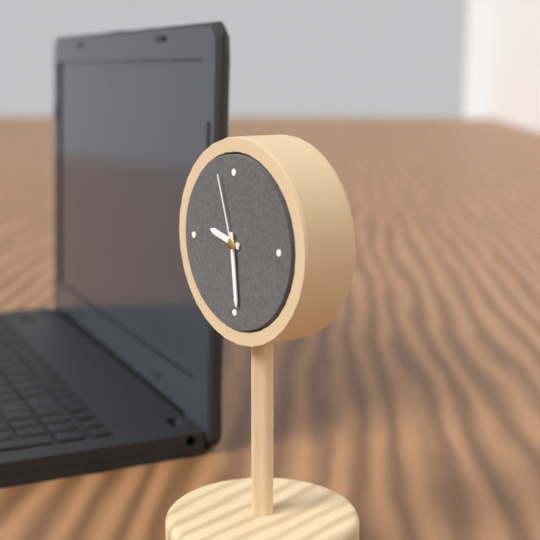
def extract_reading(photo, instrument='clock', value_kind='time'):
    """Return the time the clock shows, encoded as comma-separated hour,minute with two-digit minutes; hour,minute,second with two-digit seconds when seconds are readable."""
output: 9,29,57
